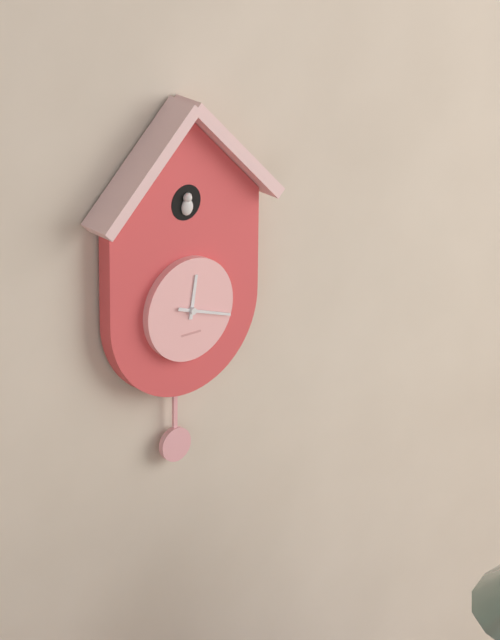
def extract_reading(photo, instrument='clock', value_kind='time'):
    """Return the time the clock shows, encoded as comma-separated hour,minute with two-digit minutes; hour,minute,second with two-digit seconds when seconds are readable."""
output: 12,18
